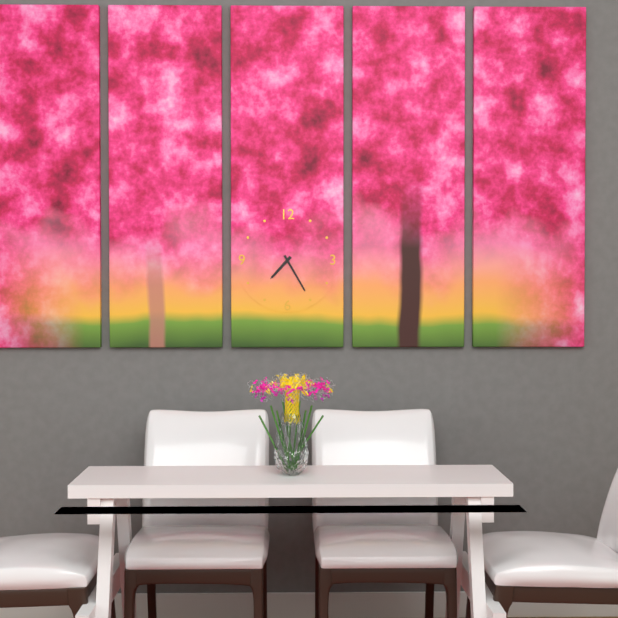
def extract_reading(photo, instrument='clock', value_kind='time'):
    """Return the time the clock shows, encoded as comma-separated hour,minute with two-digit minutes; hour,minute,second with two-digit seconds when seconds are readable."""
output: 7,25
